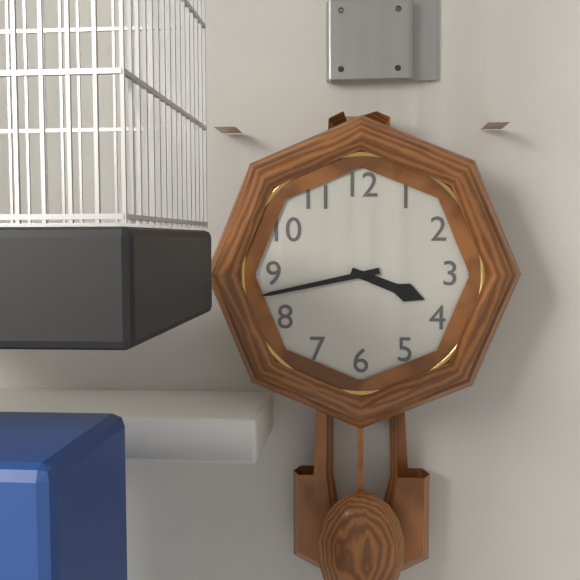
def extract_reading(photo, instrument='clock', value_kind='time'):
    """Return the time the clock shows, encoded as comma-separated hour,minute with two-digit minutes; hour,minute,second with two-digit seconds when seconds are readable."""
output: 3,43
